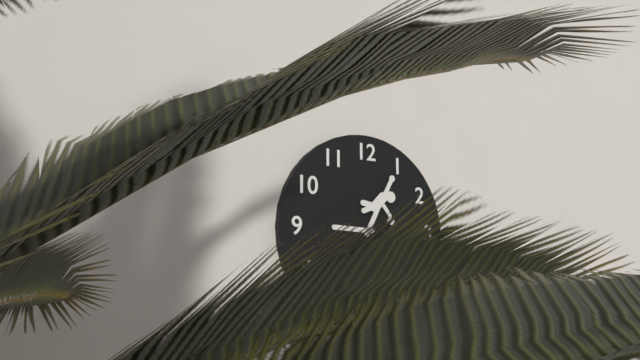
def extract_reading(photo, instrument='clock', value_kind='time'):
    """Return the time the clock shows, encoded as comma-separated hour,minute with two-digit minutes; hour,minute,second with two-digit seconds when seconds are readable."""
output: 9,04
